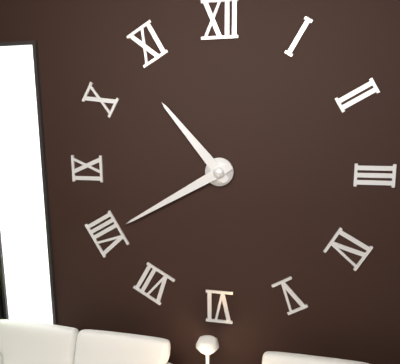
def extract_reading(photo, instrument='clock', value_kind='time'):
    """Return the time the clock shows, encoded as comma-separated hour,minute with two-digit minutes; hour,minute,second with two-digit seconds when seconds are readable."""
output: 10,40
